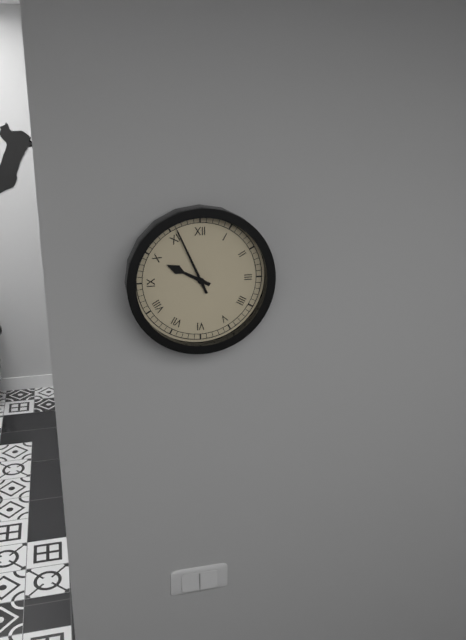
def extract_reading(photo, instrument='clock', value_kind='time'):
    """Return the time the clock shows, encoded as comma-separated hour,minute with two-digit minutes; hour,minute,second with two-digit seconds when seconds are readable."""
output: 9,56
